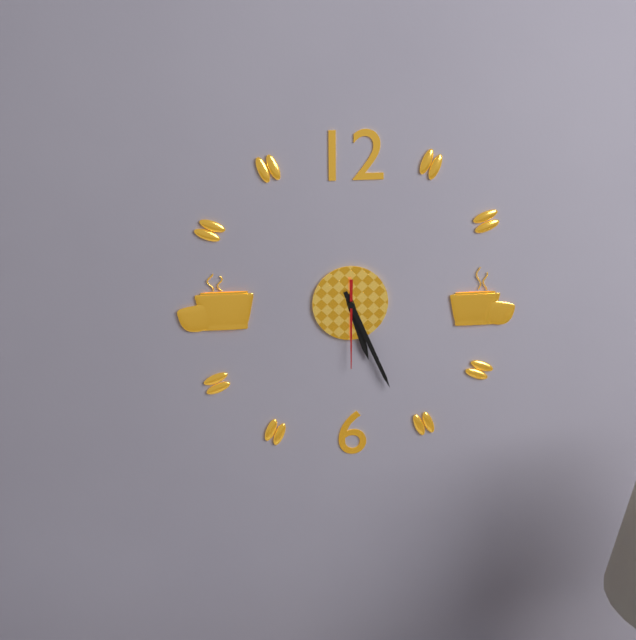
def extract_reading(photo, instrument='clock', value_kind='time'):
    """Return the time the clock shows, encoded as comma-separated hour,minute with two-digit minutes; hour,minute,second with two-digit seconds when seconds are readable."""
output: 5,26,30
